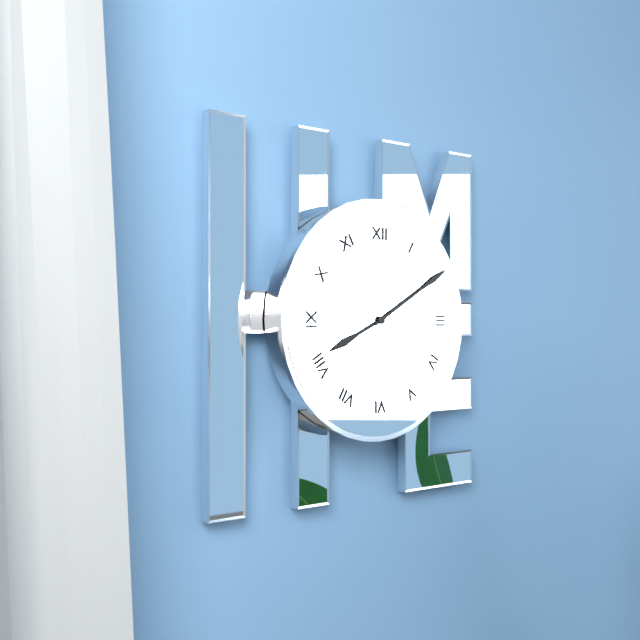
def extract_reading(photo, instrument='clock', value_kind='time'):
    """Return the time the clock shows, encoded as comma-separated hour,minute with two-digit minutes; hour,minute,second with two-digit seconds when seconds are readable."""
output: 8,10
